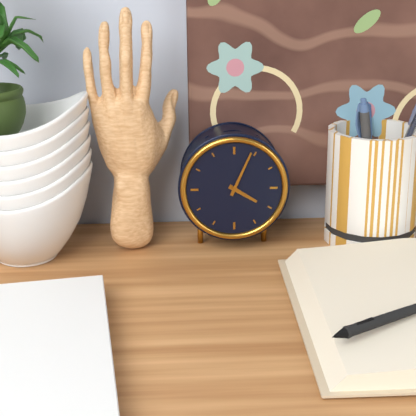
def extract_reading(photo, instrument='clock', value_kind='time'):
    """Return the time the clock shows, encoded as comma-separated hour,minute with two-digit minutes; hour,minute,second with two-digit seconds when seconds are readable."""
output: 4,04
